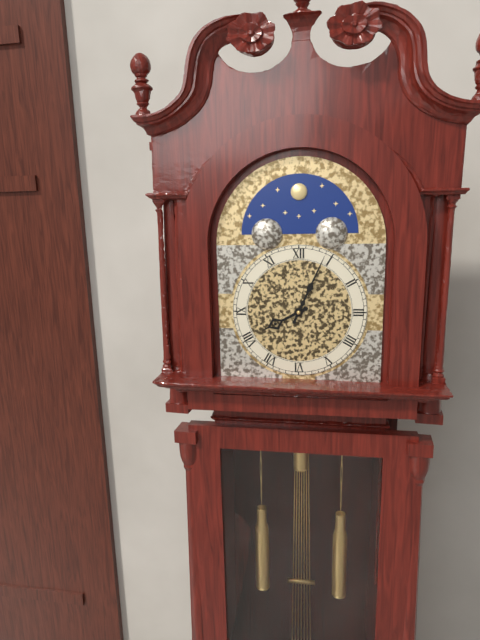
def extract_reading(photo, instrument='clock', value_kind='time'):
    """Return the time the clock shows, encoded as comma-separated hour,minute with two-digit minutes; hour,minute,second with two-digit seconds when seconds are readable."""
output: 8,04
